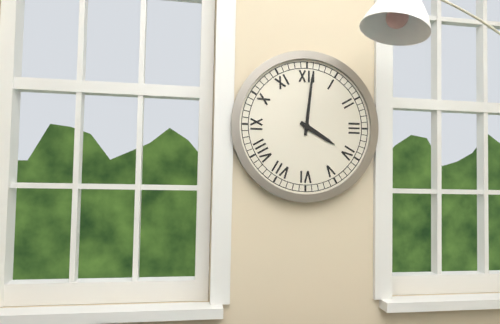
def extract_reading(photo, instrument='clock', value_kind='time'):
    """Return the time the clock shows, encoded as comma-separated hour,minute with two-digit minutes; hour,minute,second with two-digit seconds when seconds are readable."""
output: 4,01
